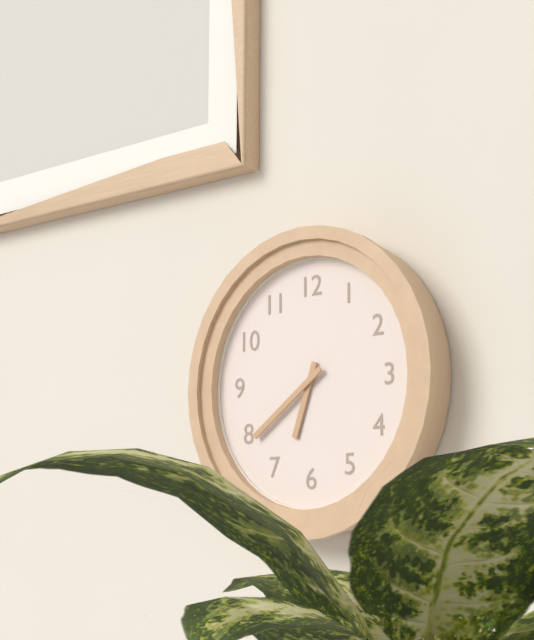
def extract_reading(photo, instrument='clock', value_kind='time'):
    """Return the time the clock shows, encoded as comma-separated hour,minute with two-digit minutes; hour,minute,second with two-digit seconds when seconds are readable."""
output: 6,39
